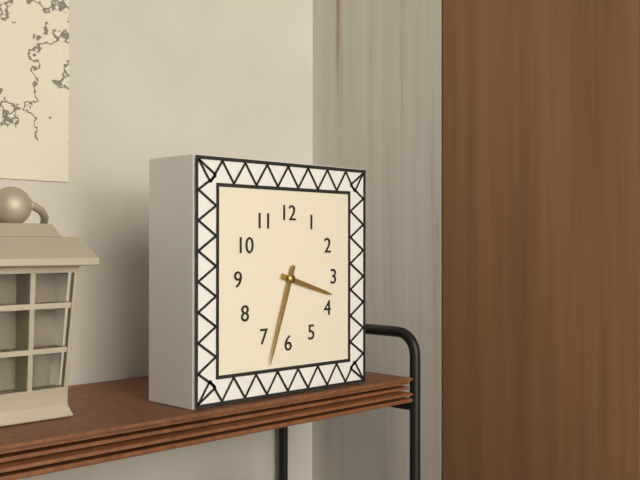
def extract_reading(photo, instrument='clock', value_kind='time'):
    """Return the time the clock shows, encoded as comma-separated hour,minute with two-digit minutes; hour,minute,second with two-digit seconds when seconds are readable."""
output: 3,33
